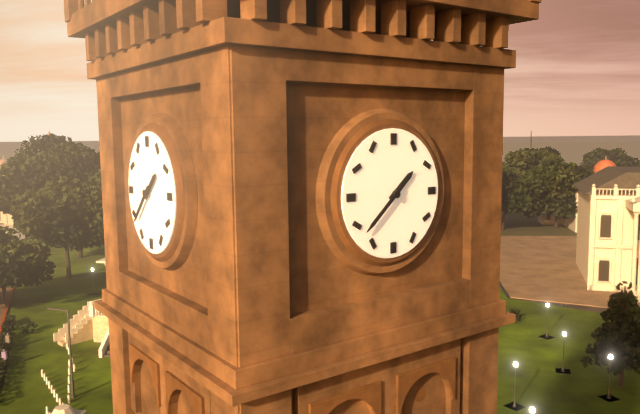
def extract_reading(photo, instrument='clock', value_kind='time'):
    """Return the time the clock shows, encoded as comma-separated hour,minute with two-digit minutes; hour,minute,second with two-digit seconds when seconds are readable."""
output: 1,38
